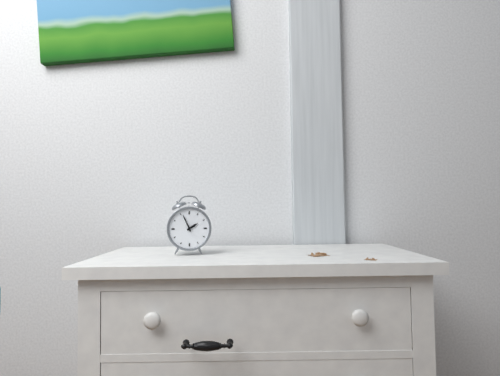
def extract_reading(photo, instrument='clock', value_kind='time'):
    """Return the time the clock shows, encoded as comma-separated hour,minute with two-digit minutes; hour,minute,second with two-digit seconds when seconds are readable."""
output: 1,56
